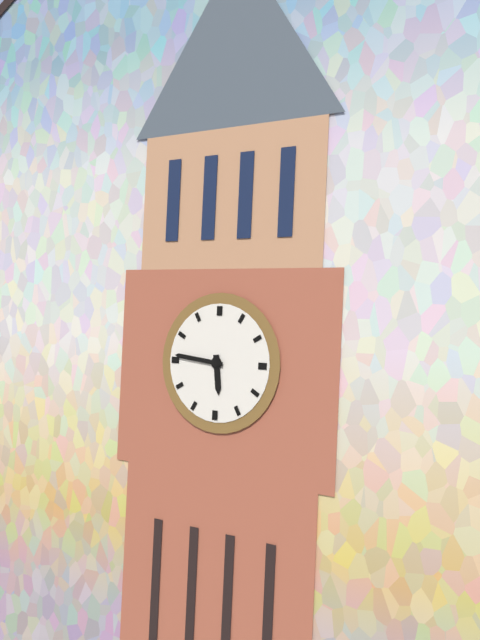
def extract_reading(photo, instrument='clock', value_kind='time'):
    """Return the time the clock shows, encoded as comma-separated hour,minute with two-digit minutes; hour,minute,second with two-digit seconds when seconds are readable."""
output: 5,46
